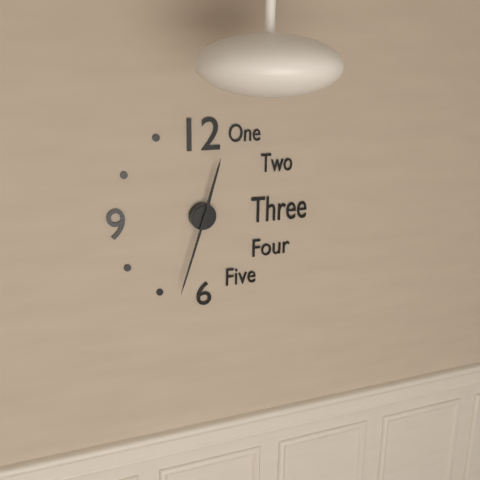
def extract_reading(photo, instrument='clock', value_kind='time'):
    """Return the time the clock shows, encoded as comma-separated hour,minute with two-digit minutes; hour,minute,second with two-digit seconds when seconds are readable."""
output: 12,33
